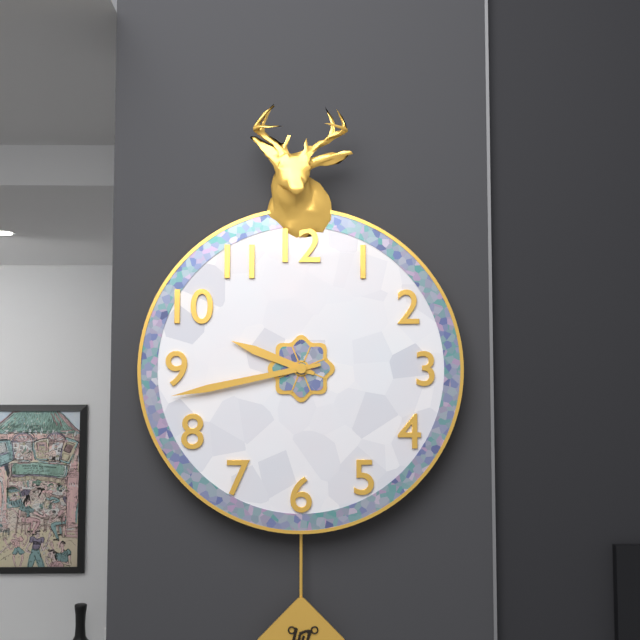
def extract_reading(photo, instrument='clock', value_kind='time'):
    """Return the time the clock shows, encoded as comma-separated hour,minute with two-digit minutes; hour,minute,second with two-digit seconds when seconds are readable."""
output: 9,43
